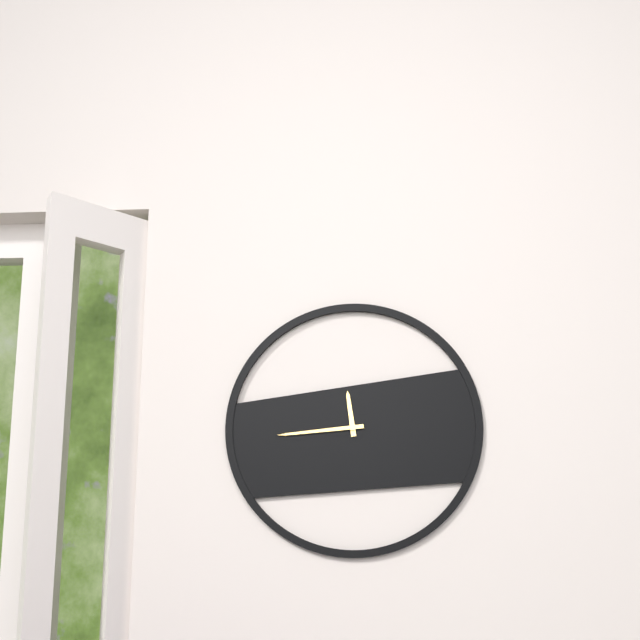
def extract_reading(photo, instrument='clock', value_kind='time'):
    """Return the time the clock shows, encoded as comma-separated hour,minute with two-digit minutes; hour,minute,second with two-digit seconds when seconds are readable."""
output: 11,44
